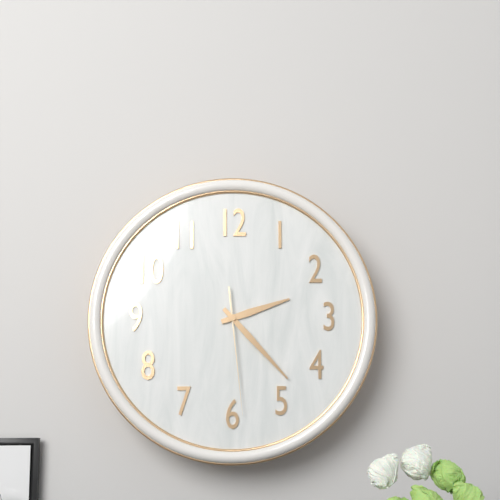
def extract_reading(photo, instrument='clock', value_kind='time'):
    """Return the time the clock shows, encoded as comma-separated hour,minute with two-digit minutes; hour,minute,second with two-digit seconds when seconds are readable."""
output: 2,23,29
